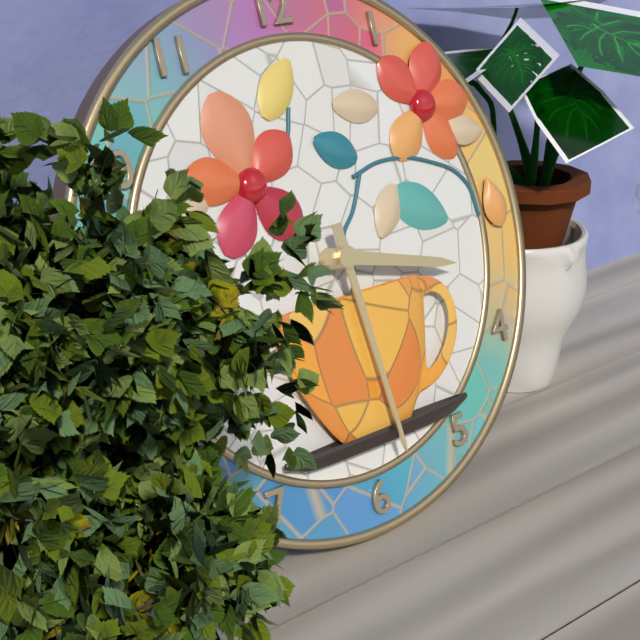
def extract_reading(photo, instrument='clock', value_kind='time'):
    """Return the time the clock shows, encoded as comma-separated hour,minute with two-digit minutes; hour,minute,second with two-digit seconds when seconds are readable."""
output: 3,29
